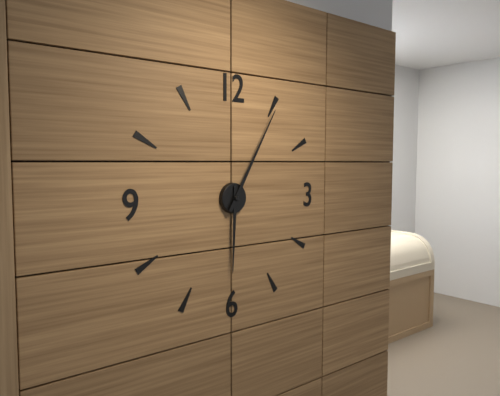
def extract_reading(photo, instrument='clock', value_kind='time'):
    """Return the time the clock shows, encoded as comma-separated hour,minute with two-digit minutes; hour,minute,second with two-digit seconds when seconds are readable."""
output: 6,05
